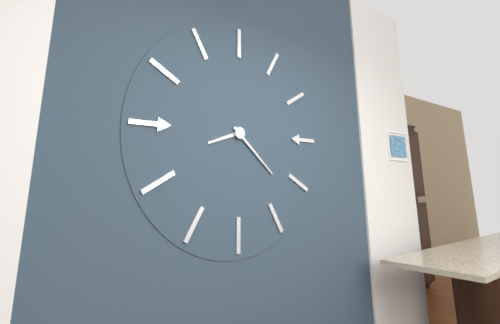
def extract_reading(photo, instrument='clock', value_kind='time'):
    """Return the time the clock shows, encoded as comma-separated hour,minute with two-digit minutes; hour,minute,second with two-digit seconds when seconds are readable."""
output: 8,22
